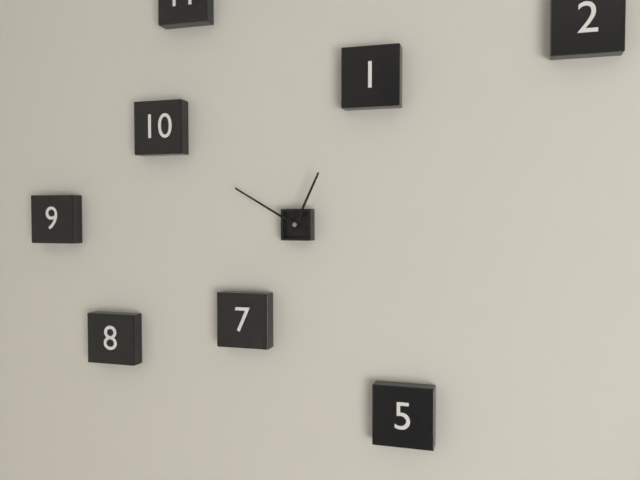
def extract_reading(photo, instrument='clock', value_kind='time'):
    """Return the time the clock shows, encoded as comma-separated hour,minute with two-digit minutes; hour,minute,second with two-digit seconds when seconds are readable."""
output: 12,50
